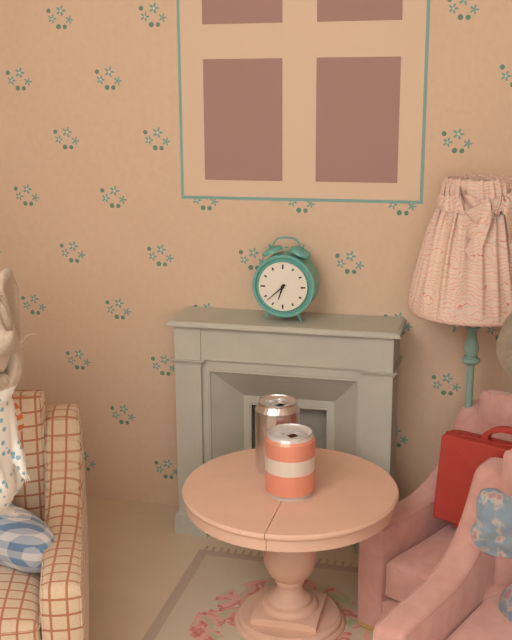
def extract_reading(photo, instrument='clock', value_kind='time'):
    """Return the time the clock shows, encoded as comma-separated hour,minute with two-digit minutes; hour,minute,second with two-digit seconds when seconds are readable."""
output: 6,38
